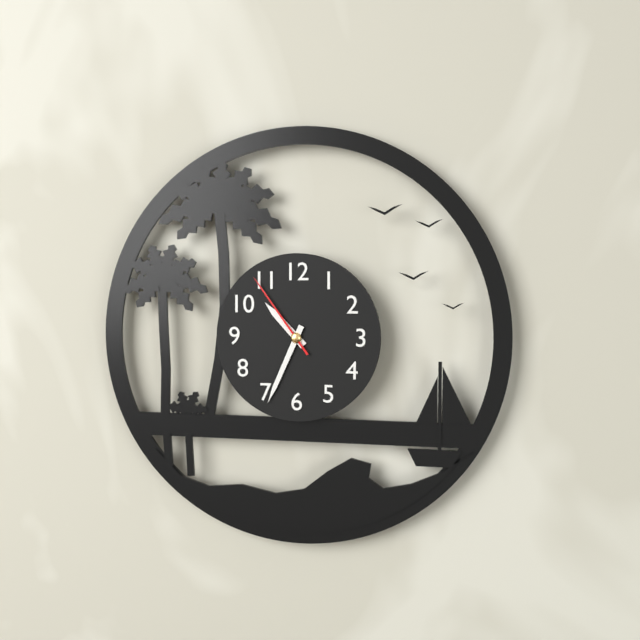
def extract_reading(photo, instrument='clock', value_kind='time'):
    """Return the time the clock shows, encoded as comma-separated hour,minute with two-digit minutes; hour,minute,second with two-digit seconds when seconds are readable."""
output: 10,34,54
